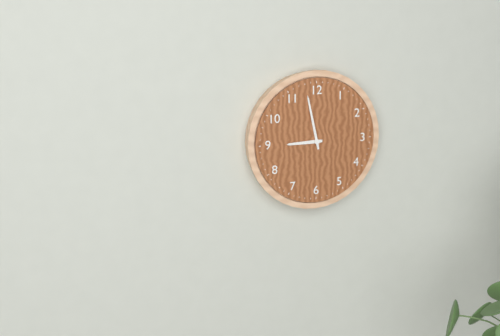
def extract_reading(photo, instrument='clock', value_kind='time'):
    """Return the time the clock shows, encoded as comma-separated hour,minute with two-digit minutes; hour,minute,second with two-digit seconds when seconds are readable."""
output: 8,58
